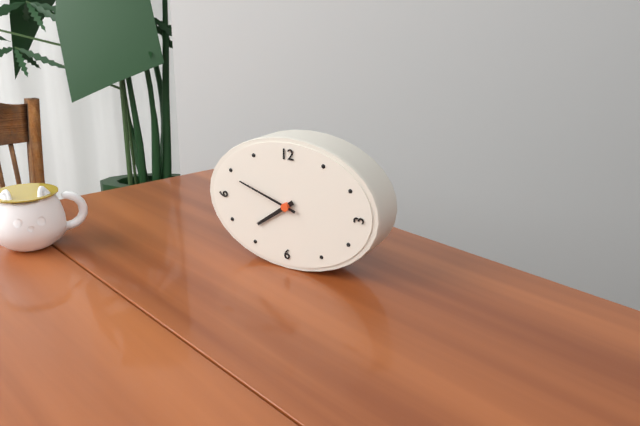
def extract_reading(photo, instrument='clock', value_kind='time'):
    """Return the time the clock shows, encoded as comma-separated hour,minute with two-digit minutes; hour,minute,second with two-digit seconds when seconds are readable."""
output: 7,48
